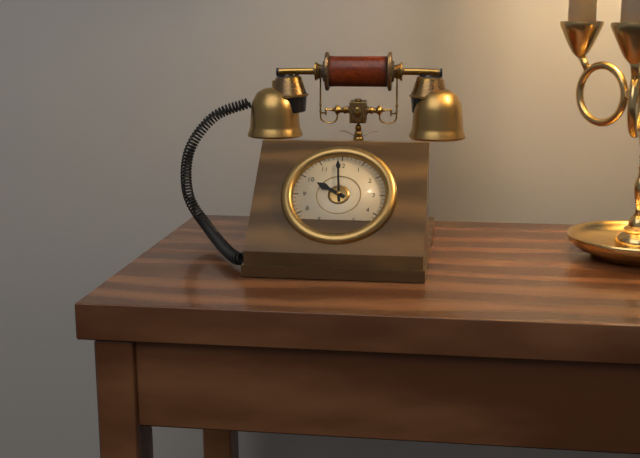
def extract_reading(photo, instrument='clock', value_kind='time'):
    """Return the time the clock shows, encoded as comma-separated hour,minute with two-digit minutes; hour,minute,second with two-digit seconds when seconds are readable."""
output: 9,59
